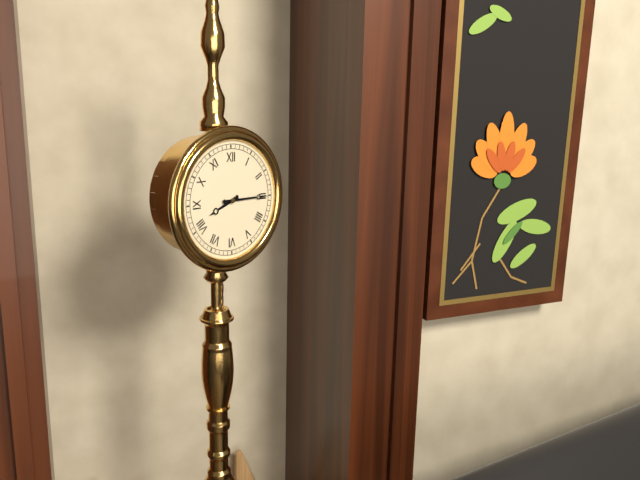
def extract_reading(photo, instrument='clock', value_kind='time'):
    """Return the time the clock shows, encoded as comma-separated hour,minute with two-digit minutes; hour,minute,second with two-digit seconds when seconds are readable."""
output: 8,15
